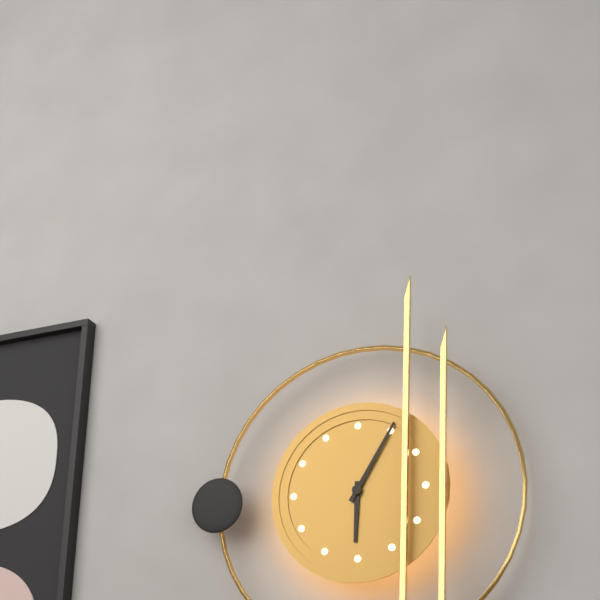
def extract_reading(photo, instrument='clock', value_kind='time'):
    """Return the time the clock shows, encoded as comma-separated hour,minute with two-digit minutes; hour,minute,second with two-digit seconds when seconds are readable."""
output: 6,05
